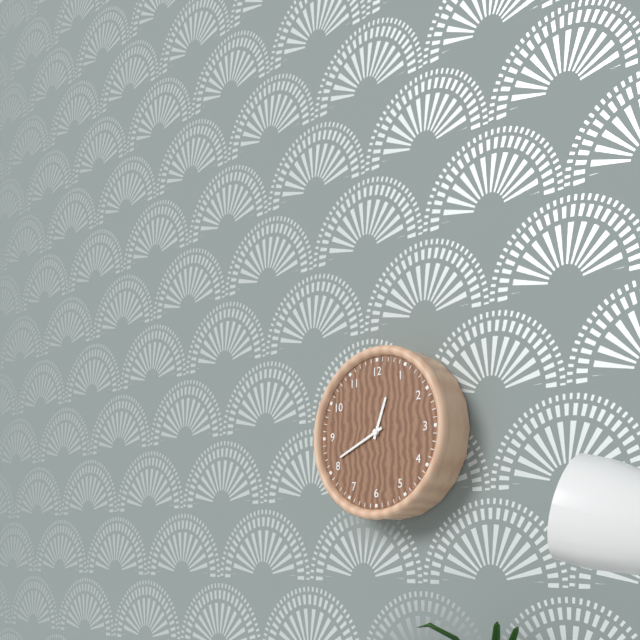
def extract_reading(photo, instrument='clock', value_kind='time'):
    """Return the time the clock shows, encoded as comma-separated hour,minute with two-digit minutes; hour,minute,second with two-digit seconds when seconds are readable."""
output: 12,41
